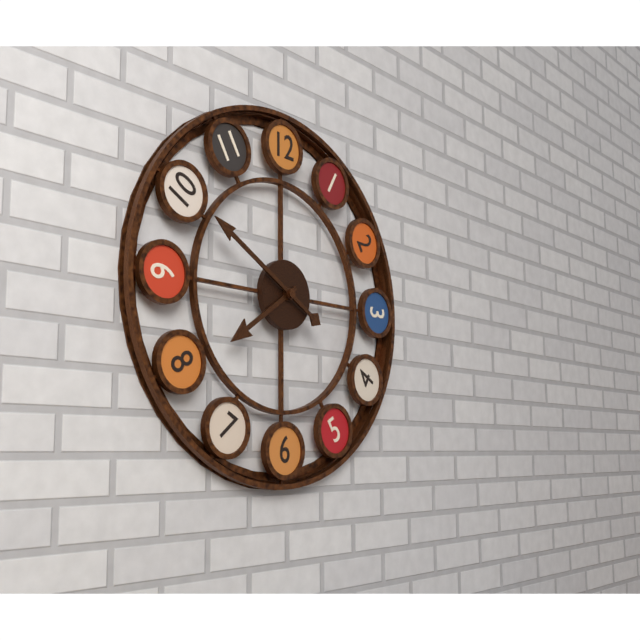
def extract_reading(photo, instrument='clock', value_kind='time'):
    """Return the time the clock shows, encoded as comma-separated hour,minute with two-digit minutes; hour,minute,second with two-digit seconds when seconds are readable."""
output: 7,50
